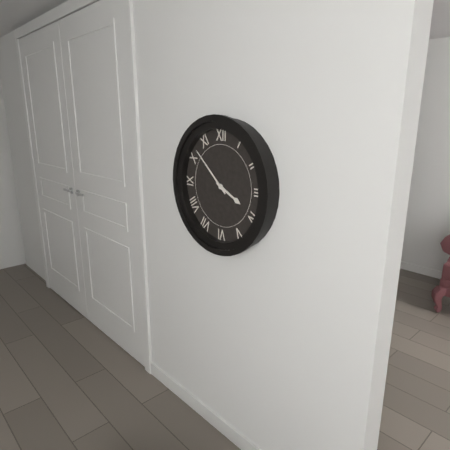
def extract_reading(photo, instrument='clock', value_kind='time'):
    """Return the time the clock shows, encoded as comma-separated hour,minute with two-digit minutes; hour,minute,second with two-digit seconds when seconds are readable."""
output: 3,52
